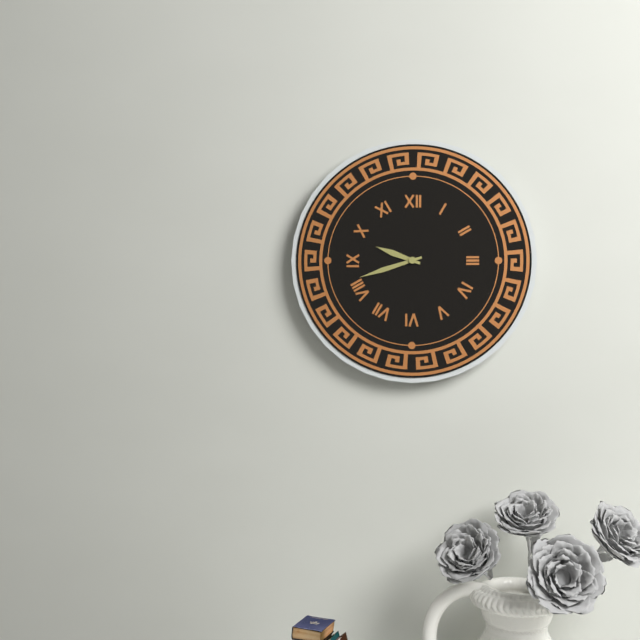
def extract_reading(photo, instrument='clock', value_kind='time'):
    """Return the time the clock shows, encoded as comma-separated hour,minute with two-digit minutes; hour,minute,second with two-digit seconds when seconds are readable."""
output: 9,42
